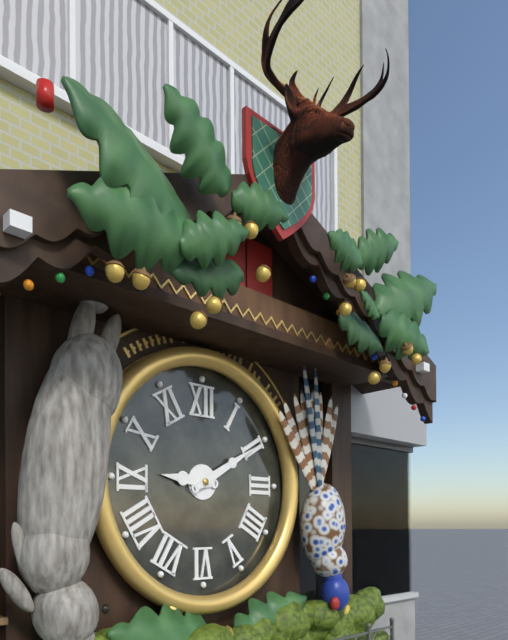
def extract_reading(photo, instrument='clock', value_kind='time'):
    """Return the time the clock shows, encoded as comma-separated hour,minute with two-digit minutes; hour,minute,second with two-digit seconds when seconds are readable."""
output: 9,10
